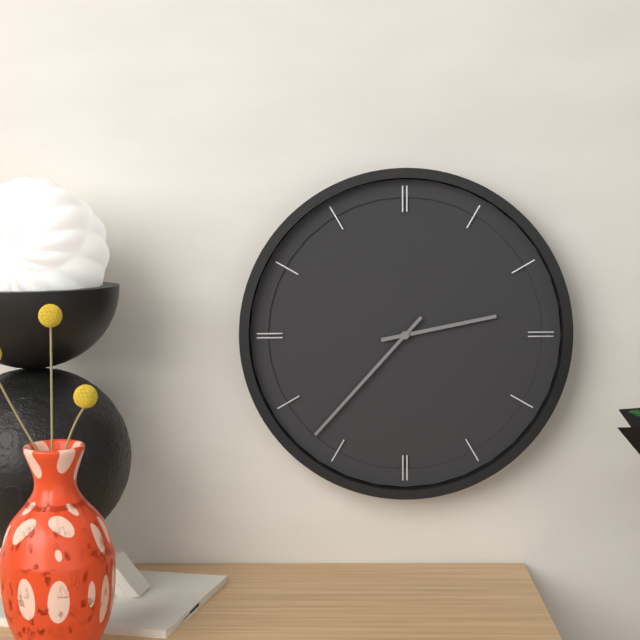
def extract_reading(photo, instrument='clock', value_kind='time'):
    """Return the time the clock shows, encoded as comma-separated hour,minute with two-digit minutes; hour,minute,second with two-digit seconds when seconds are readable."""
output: 2,37
